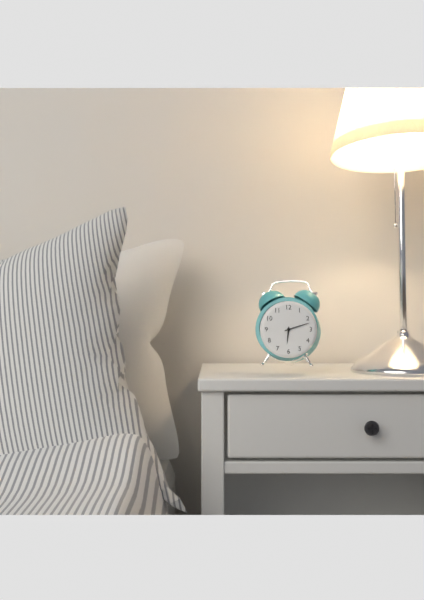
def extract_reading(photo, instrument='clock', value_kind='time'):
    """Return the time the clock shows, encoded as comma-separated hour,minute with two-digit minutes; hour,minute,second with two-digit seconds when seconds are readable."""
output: 6,12
